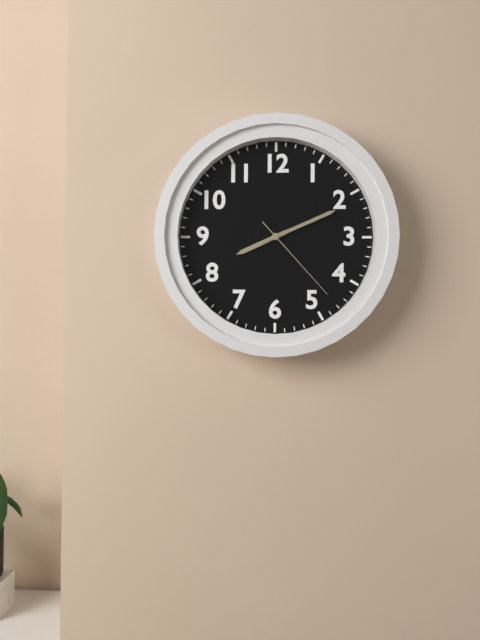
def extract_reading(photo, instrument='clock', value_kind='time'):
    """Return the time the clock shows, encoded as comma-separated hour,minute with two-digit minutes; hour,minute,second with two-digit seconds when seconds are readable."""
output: 8,11,23
